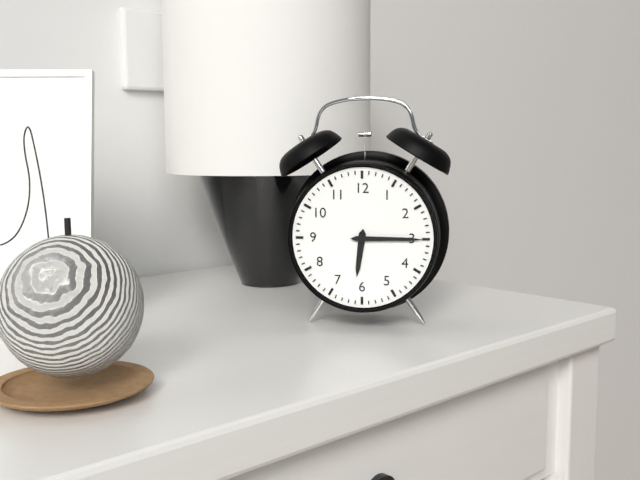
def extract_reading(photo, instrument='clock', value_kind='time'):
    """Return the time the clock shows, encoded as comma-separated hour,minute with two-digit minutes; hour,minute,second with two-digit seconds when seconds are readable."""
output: 6,15
